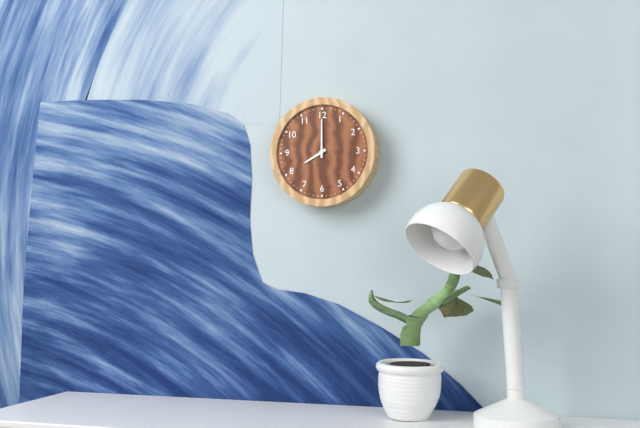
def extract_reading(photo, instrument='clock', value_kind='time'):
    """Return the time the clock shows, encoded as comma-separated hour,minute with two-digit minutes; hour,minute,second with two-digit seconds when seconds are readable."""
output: 8,00
